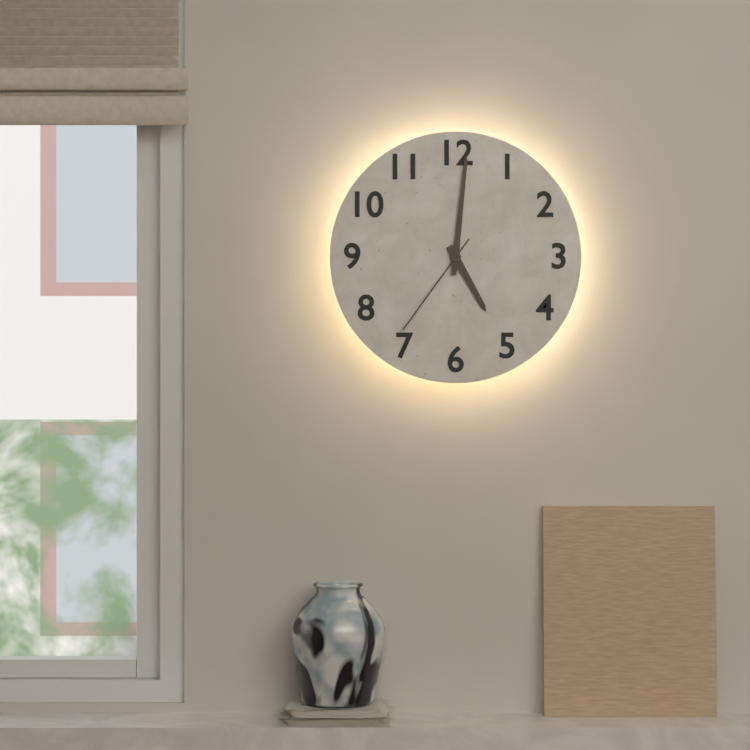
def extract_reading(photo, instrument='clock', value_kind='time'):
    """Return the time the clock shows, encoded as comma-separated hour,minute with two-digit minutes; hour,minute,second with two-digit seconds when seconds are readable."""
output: 5,01,36
